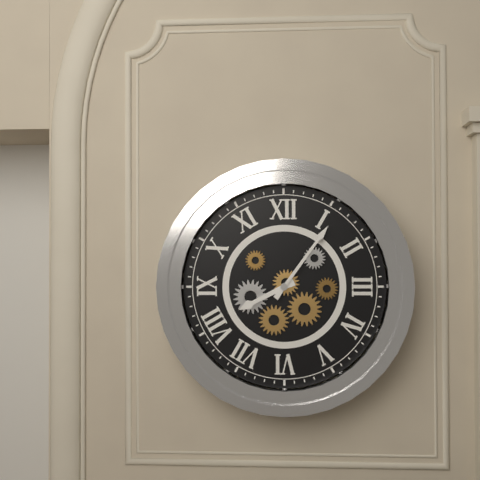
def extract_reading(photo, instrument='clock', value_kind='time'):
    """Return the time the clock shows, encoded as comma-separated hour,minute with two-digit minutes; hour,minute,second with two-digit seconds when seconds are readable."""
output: 8,06
